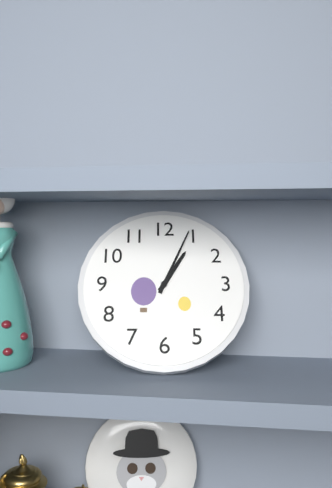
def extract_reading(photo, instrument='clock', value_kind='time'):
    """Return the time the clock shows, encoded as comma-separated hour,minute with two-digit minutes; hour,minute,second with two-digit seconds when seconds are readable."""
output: 1,04
